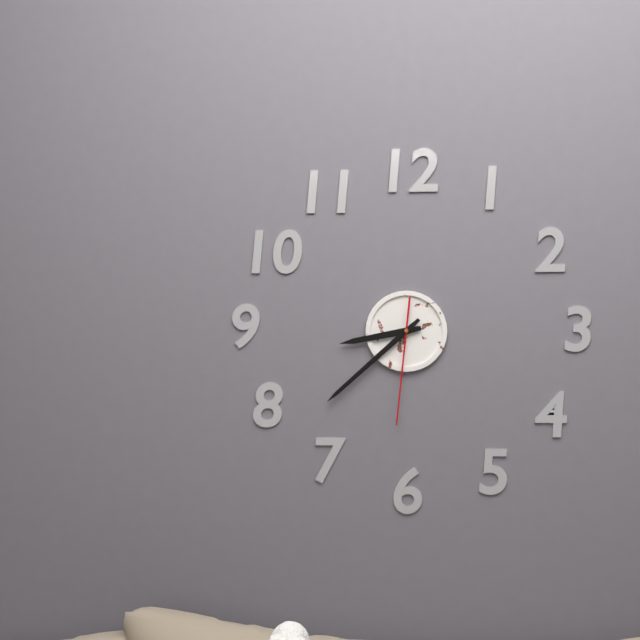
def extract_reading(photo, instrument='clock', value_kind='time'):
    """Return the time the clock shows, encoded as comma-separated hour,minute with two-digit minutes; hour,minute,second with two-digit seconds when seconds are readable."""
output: 8,38,31
